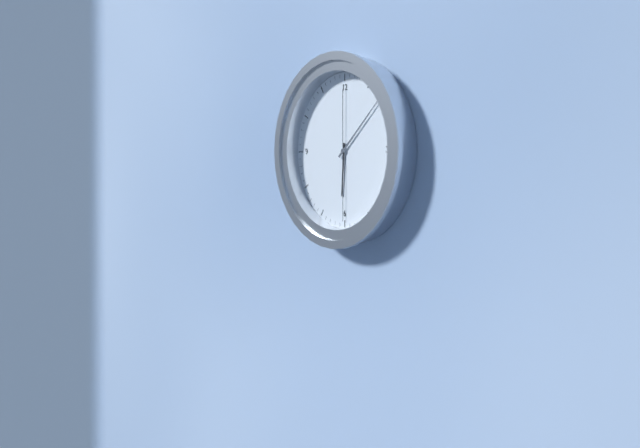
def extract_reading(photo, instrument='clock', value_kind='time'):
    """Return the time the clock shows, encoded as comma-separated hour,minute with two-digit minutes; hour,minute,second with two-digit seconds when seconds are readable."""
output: 6,08,30
